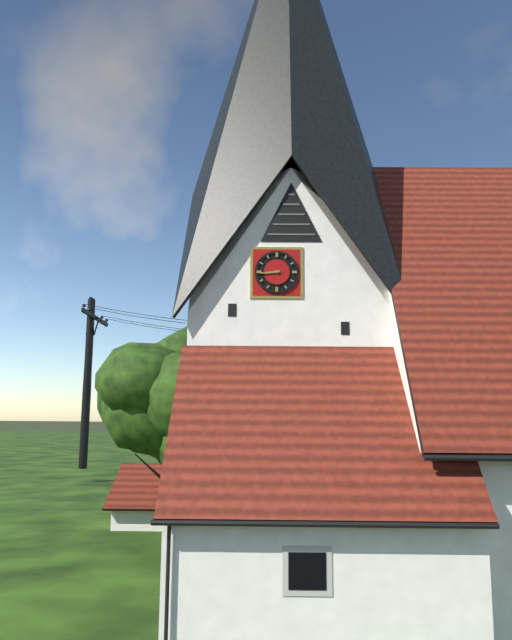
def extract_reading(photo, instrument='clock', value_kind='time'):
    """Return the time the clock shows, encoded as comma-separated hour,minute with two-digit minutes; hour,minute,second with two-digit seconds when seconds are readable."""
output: 8,44
